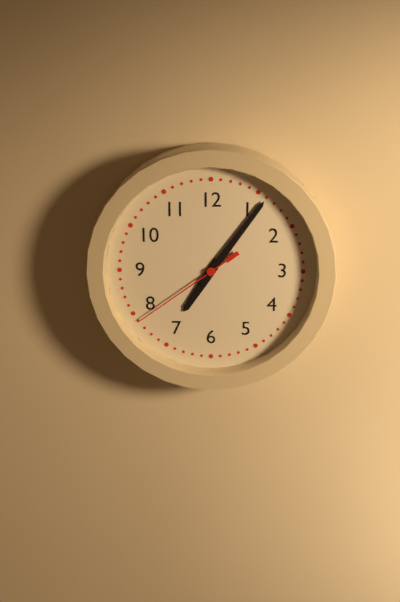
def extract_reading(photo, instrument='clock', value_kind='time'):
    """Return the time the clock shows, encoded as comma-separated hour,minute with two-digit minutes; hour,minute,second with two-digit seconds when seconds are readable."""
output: 7,06,39
